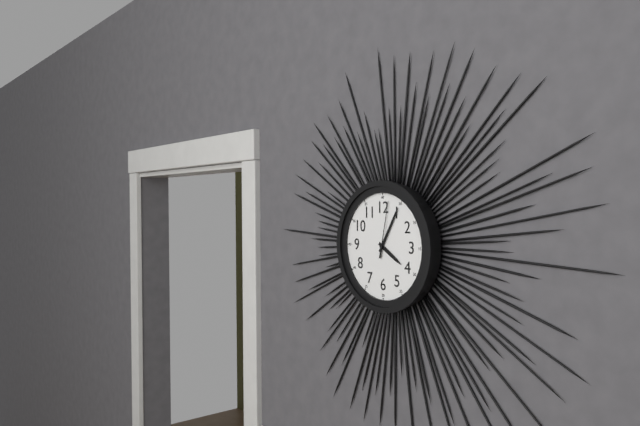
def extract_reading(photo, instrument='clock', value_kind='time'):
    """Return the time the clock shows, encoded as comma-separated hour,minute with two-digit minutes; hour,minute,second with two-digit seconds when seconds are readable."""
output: 4,05,02
